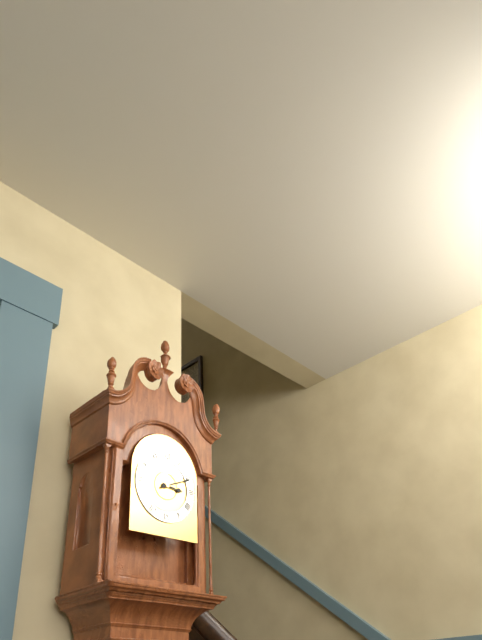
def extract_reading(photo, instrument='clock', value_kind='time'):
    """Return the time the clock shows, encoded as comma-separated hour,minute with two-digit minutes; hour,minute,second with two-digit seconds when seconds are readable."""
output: 3,11
